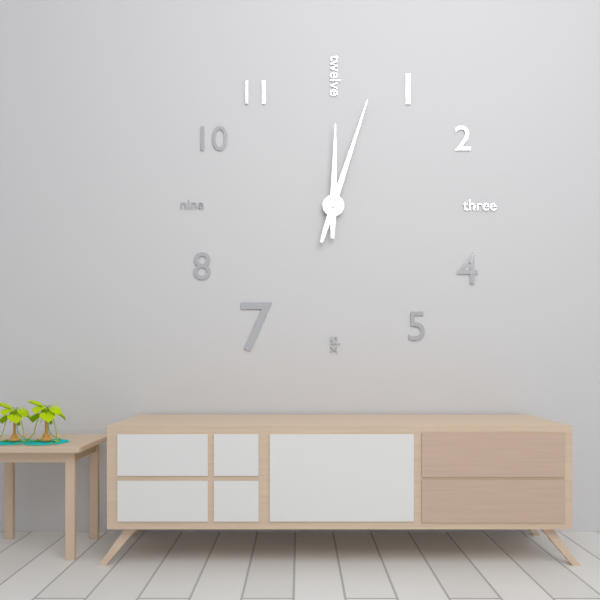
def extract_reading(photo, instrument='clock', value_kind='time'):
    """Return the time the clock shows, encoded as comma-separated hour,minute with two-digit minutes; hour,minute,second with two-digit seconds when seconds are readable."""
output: 12,03
